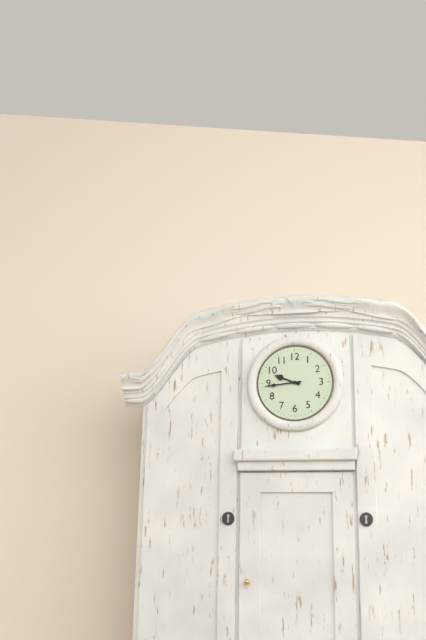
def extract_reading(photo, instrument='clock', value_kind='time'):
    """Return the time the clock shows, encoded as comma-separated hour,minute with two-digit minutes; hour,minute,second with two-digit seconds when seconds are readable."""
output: 9,44
